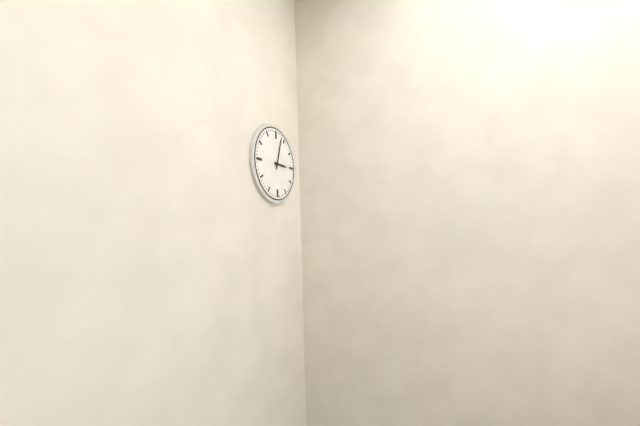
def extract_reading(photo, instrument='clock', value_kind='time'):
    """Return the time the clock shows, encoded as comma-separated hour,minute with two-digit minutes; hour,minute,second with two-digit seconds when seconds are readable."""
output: 3,03
